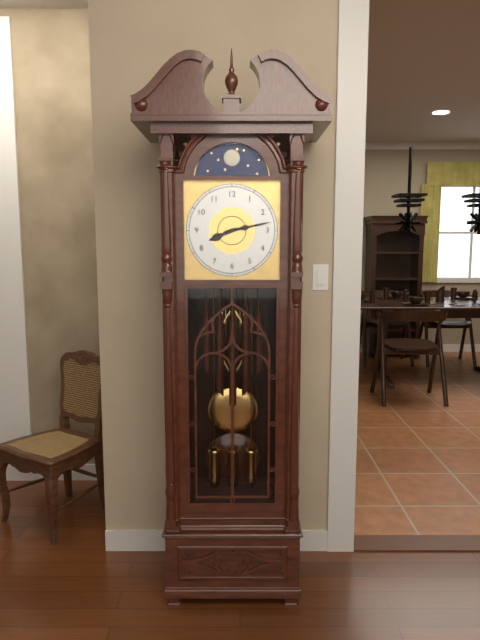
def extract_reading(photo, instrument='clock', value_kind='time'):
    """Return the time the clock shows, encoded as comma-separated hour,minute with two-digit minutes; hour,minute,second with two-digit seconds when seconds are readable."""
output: 8,13
